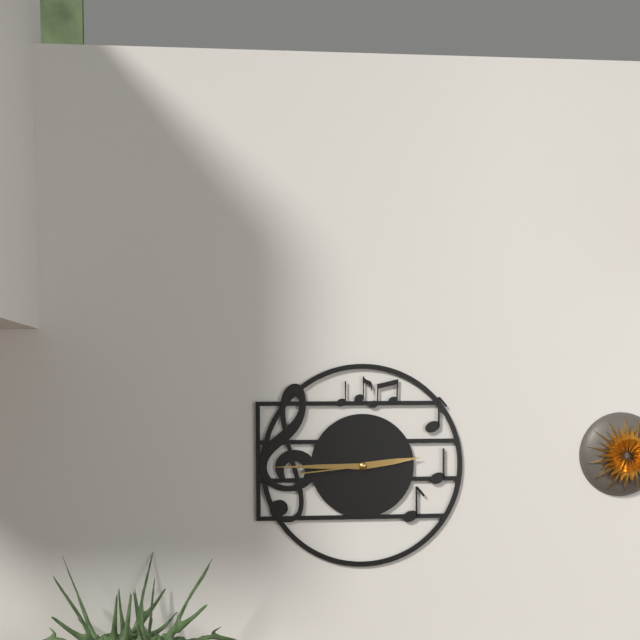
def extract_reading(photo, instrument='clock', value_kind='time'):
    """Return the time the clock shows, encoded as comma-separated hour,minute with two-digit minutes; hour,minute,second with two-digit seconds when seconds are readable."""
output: 2,45,44
